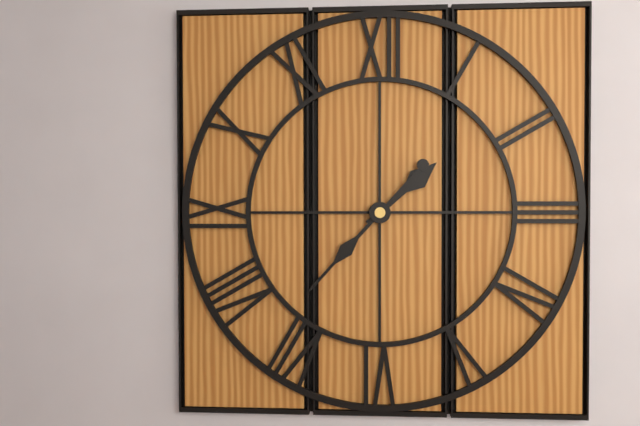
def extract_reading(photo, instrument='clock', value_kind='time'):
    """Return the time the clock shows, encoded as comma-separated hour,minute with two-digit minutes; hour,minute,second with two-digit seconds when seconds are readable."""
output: 1,37
